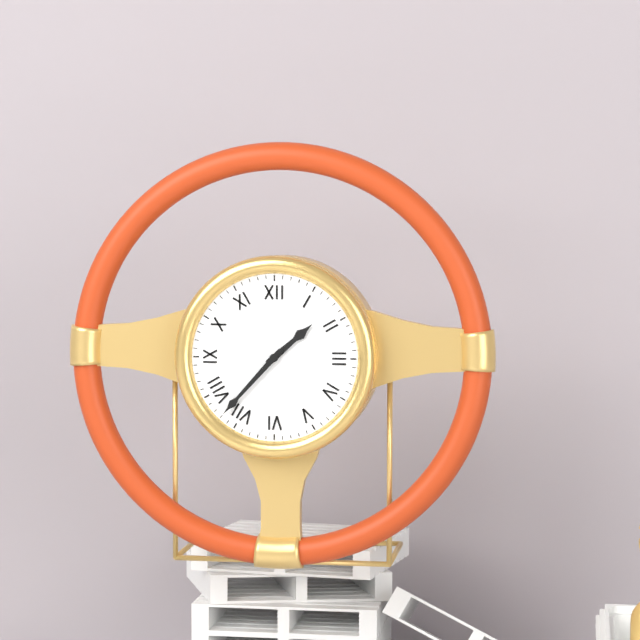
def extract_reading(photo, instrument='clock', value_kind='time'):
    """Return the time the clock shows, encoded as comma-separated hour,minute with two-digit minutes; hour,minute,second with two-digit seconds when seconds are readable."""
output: 1,37
